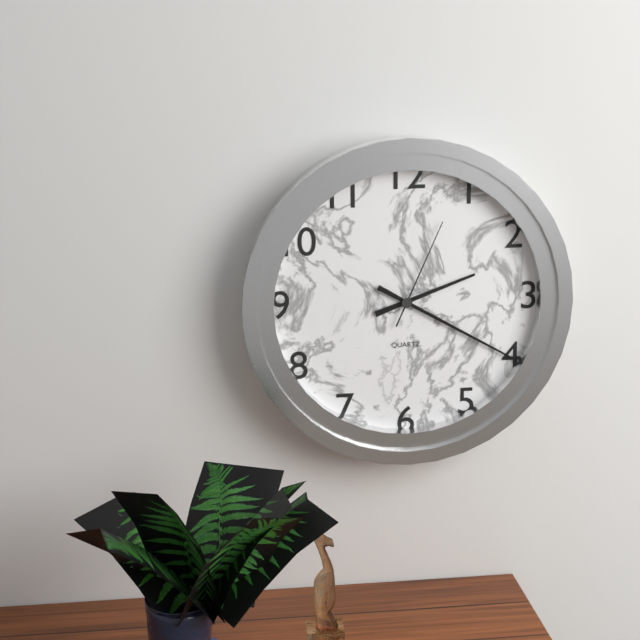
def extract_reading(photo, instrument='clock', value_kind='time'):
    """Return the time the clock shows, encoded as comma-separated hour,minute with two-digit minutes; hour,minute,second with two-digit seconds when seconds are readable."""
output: 2,20,04
